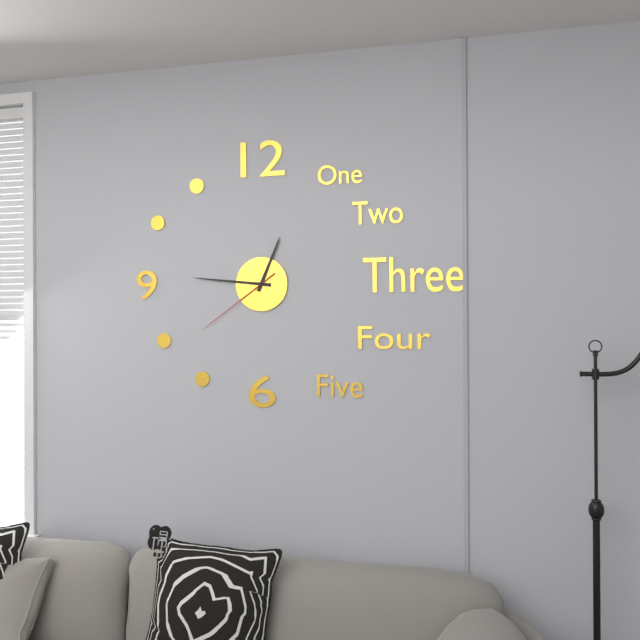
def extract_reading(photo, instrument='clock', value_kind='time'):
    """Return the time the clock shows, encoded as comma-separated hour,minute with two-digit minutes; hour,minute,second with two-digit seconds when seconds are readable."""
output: 12,46,39
